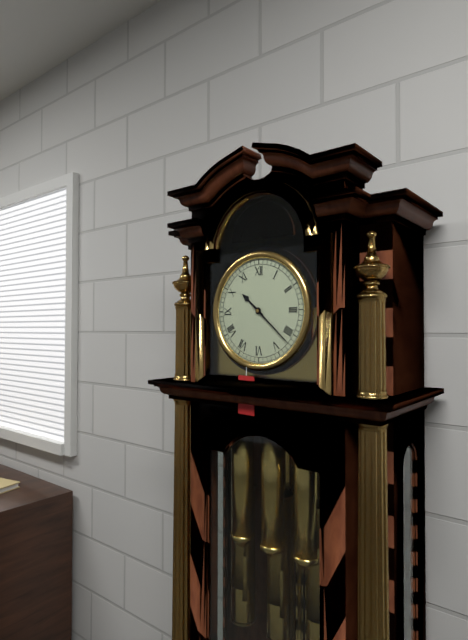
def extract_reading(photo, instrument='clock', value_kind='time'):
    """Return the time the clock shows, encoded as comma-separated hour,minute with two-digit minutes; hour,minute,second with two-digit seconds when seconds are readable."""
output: 10,22
